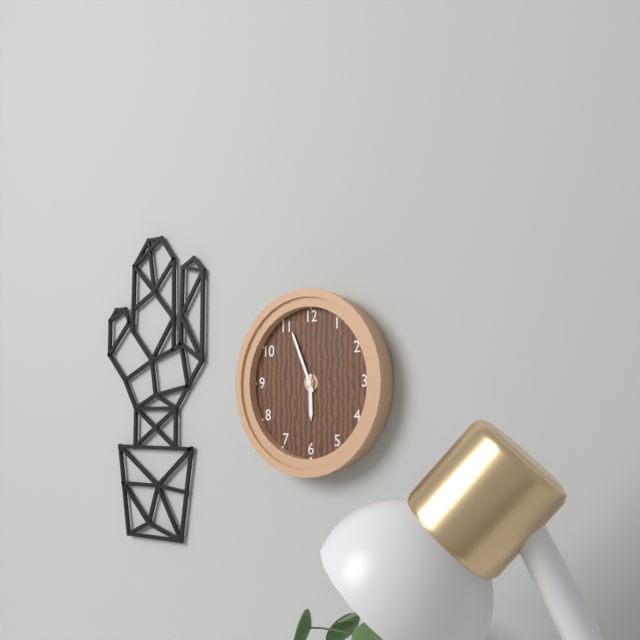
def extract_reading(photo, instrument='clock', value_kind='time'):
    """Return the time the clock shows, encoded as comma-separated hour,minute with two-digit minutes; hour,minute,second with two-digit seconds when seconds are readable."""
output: 5,56
